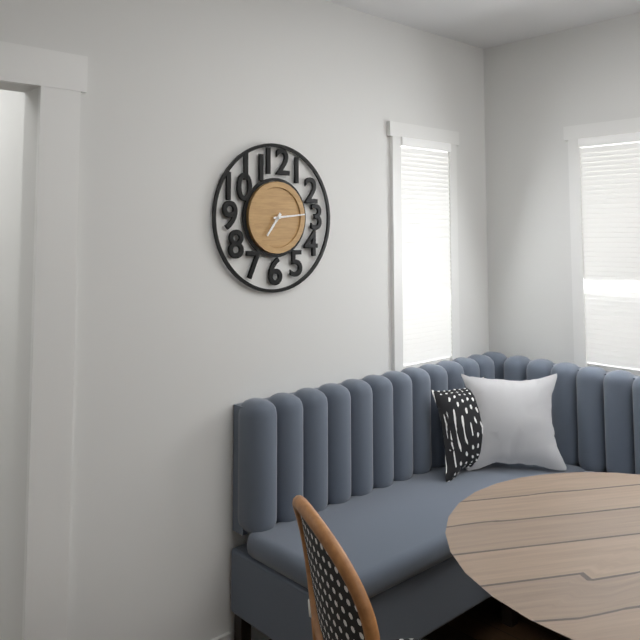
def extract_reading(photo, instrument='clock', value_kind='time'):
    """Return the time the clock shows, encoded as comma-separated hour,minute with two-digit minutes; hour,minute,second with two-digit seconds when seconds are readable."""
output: 7,14
